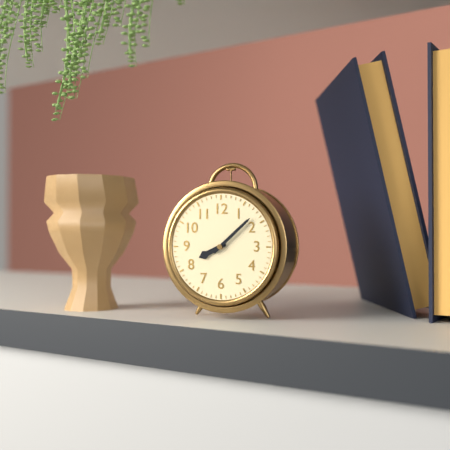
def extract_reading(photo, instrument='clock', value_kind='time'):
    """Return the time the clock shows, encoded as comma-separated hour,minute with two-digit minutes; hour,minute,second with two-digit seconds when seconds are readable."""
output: 8,08
